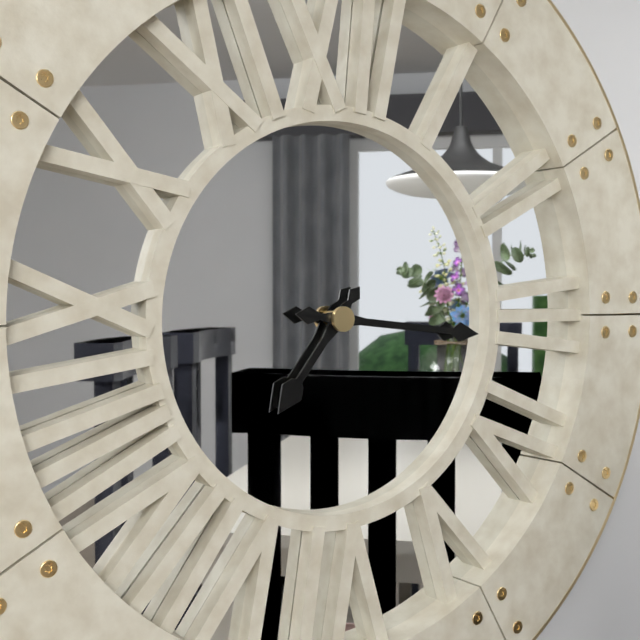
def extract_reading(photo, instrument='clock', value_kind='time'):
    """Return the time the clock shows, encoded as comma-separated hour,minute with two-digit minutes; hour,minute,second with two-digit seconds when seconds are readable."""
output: 7,16
